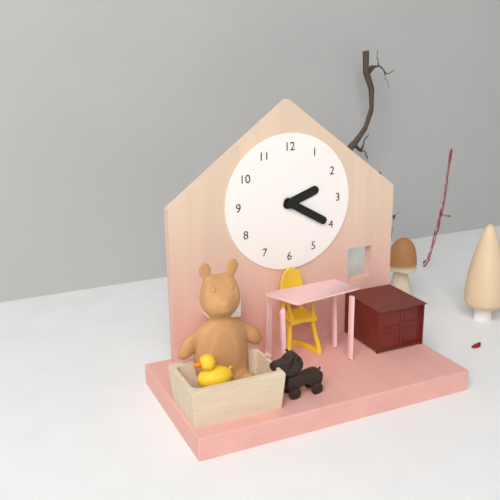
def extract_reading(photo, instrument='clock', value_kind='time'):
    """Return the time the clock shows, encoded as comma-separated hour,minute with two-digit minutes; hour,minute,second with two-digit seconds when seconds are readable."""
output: 2,20
